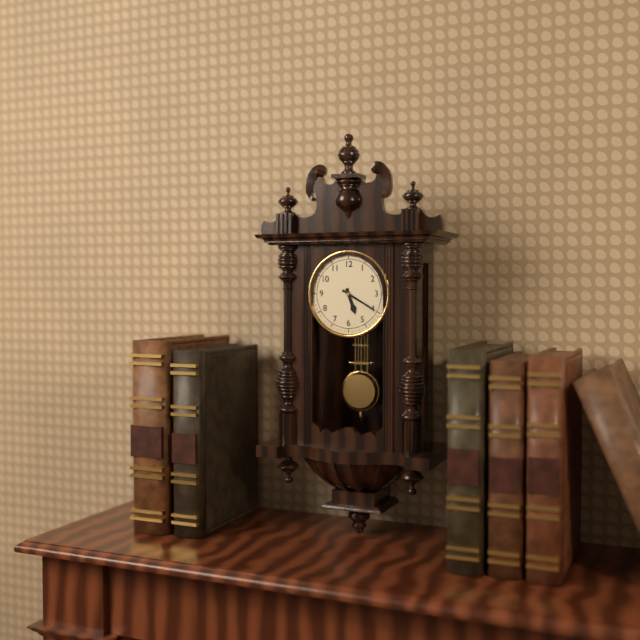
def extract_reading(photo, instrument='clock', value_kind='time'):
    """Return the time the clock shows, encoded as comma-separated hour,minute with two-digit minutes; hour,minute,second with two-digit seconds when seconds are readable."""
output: 5,20
